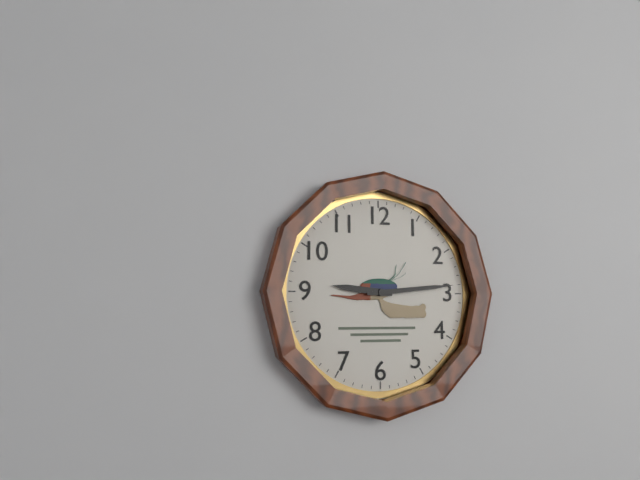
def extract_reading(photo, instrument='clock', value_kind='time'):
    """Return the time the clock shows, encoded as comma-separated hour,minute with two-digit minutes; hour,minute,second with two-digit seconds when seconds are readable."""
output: 9,14
